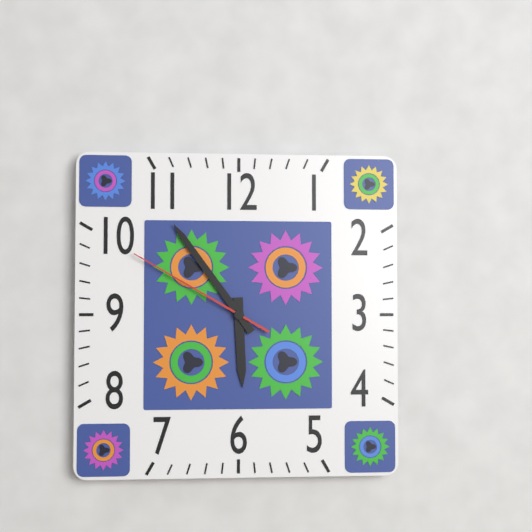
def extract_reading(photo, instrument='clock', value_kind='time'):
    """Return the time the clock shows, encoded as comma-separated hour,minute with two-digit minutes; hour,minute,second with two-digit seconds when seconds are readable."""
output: 5,54,50
